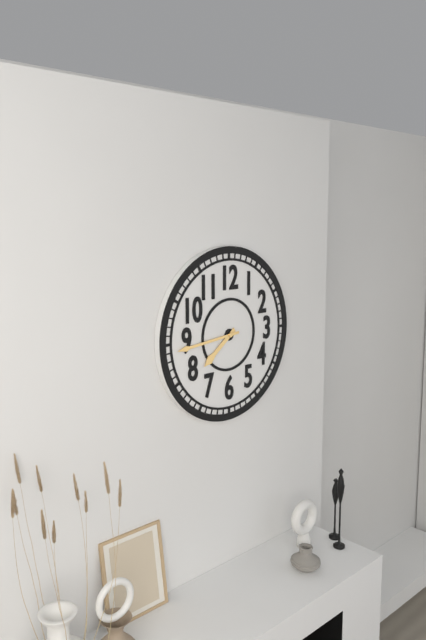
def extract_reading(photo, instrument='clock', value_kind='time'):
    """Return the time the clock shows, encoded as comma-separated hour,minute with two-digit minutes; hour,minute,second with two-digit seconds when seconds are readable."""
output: 7,44
